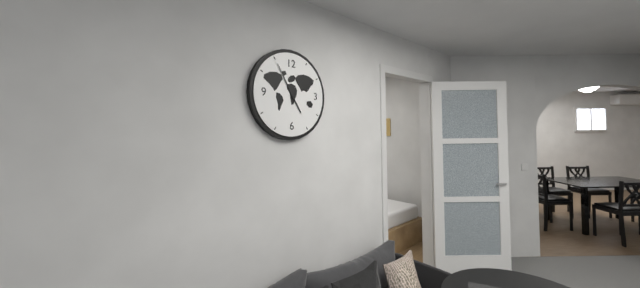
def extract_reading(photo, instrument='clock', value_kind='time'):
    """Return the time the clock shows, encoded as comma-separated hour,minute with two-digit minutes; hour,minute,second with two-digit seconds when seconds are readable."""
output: 4,55
